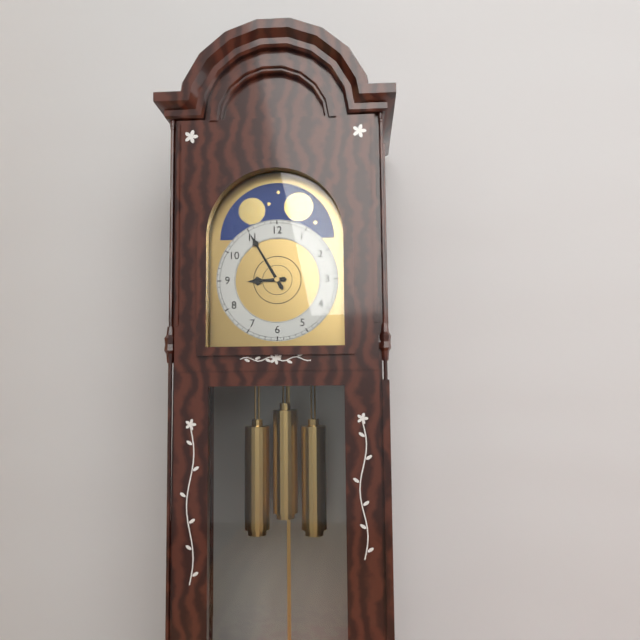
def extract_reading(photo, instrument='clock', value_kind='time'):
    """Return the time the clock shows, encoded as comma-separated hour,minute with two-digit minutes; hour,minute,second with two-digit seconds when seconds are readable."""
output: 8,55
